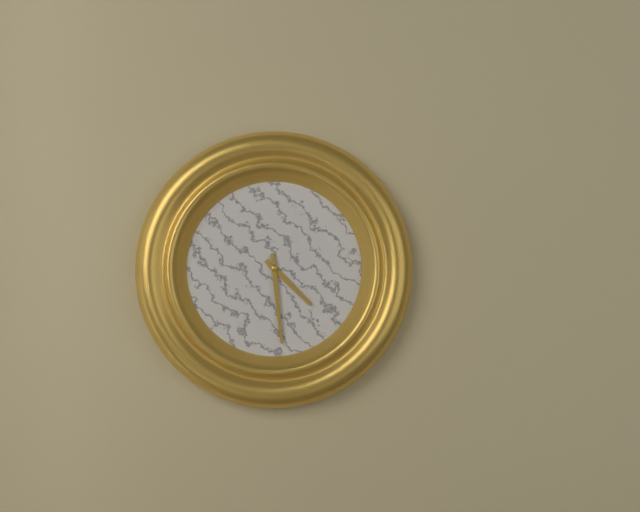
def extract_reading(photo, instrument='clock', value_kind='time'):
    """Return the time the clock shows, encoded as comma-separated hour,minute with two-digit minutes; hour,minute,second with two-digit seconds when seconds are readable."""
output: 4,29
